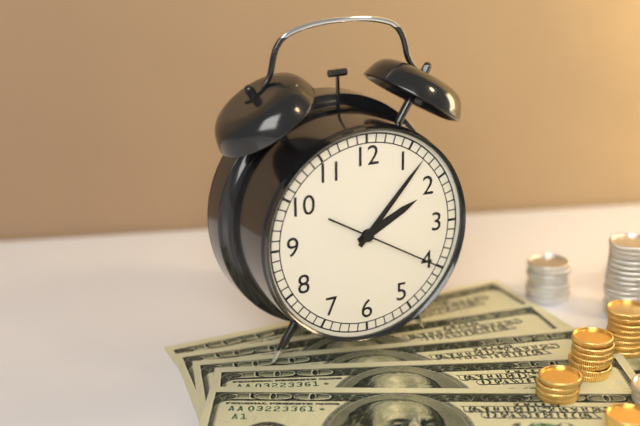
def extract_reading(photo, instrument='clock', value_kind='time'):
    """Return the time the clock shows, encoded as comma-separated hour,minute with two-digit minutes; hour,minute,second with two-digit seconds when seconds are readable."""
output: 2,07,20
